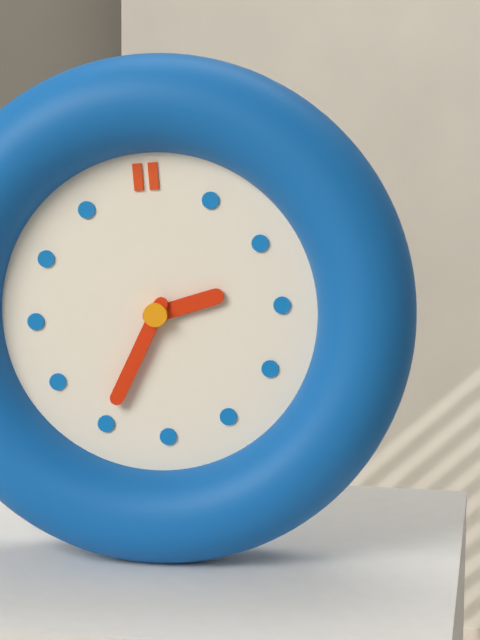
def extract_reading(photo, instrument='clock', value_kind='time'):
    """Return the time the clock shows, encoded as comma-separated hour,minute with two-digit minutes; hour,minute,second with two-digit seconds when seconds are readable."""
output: 2,35
